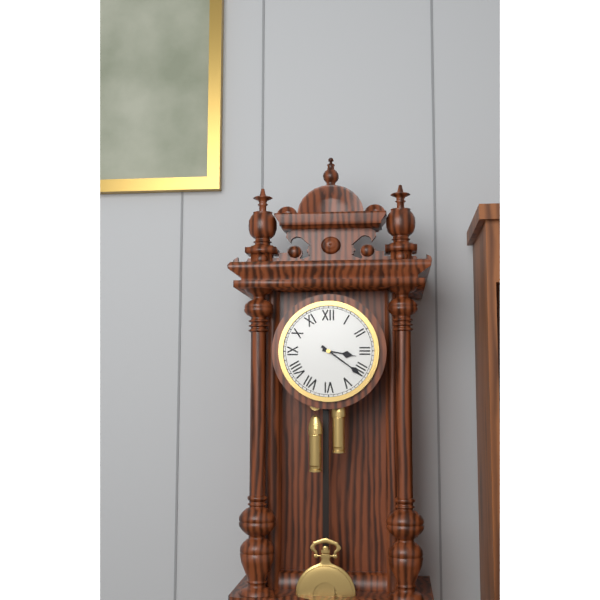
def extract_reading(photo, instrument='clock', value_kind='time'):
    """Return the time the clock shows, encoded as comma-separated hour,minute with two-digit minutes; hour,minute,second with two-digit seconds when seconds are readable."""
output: 3,21
